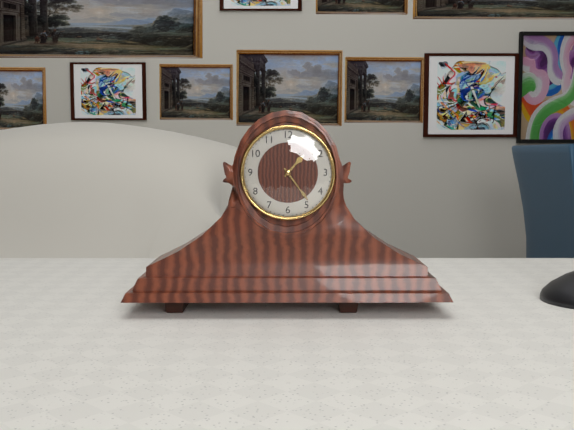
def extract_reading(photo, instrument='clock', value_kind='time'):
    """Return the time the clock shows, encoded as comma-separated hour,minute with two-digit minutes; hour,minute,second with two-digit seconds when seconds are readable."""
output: 1,24
